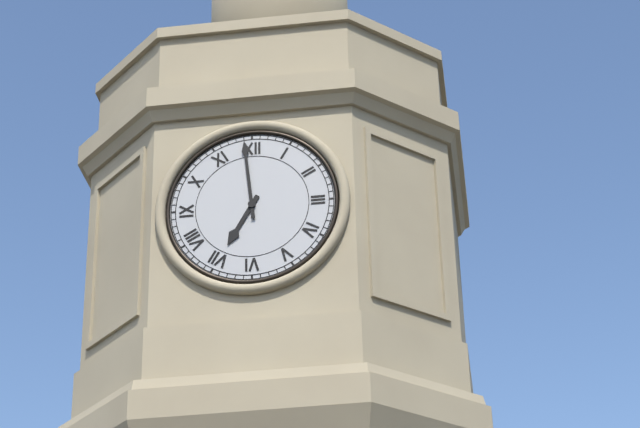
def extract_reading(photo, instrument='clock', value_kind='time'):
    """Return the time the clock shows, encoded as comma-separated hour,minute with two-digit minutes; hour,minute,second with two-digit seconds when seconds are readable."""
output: 6,59
